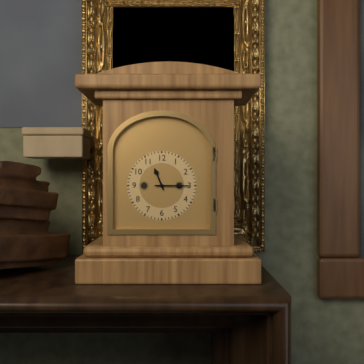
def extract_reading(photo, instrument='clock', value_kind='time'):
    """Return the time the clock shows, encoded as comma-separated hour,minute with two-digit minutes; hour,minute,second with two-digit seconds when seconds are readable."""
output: 11,15
